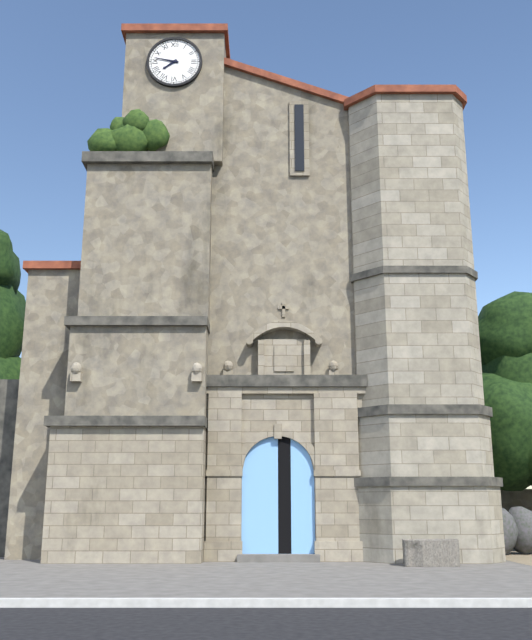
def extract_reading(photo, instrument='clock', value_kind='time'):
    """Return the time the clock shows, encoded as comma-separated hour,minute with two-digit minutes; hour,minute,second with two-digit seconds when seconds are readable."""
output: 7,47
